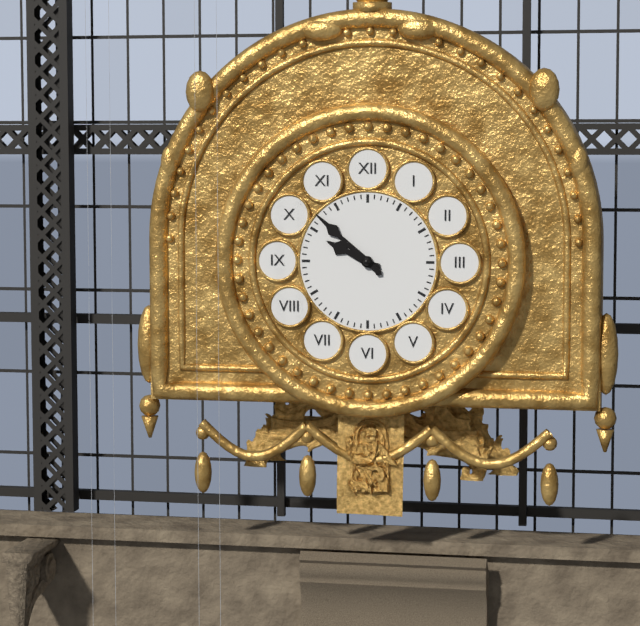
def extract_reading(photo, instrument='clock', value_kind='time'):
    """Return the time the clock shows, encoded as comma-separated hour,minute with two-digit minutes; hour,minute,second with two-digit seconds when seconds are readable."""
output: 9,52
